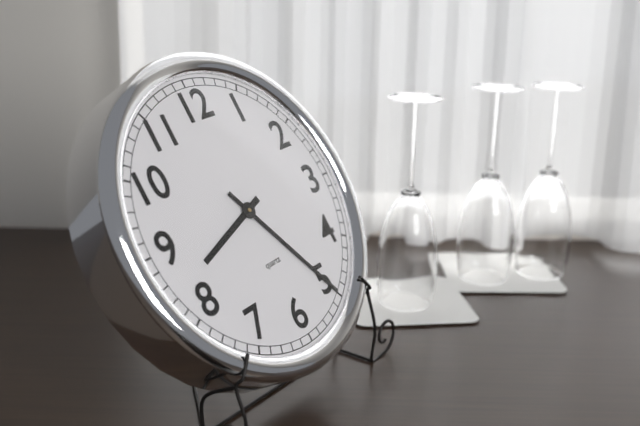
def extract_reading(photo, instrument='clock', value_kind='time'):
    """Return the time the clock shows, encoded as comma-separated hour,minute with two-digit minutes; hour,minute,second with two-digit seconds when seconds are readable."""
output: 8,25
